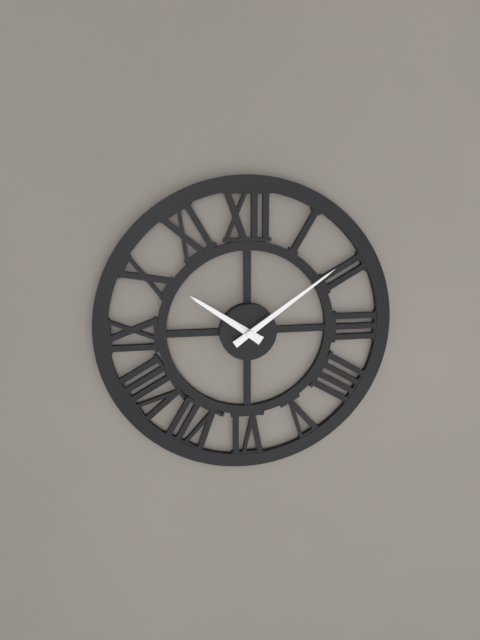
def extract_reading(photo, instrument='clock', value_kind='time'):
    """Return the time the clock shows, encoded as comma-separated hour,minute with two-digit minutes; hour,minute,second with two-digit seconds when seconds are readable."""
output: 10,09
